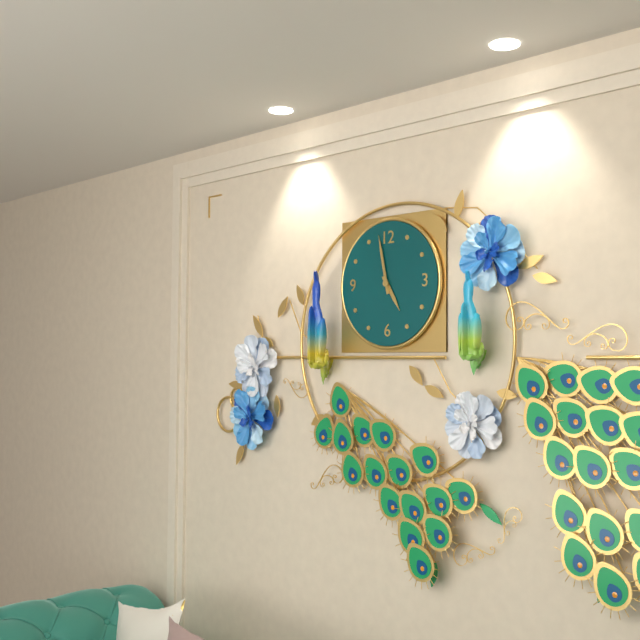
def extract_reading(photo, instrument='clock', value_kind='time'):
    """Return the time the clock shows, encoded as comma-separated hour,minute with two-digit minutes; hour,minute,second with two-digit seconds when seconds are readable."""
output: 4,58
